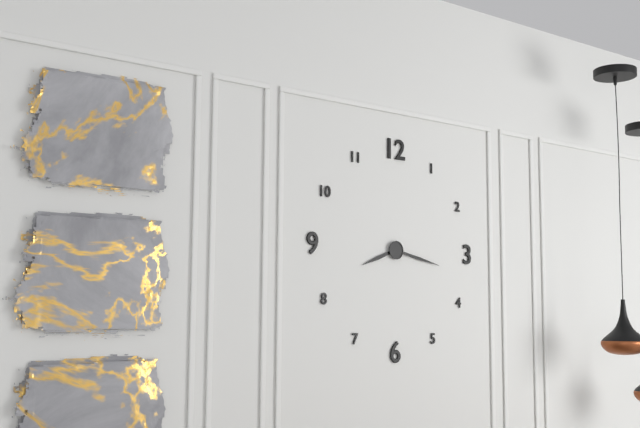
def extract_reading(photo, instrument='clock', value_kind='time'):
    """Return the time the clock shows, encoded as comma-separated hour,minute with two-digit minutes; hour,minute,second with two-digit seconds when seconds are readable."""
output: 8,17
